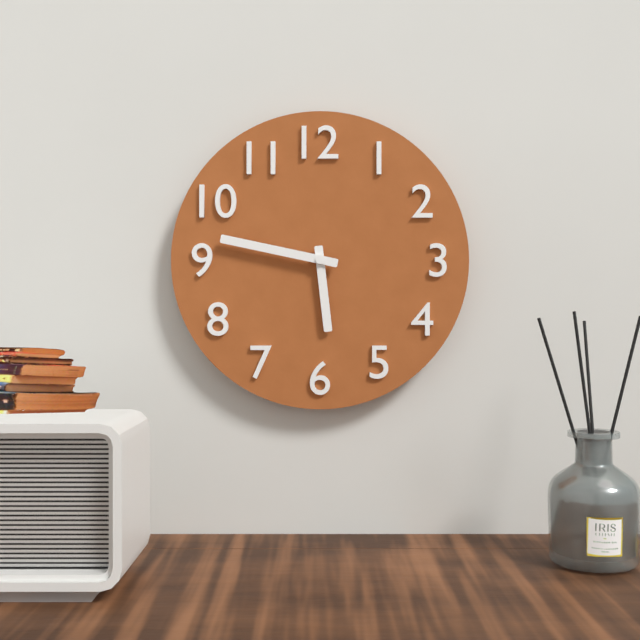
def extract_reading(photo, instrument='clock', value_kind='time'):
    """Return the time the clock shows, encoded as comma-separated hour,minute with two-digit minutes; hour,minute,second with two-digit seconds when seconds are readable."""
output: 5,47
